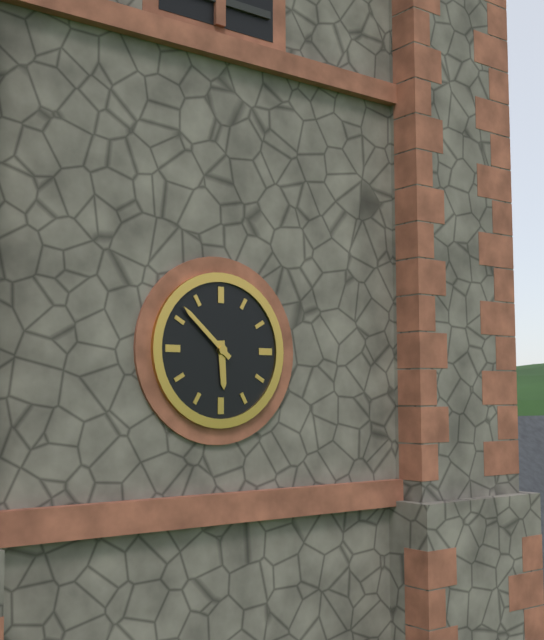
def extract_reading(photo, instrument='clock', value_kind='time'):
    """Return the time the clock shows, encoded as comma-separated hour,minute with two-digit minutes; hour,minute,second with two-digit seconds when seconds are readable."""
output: 5,52
